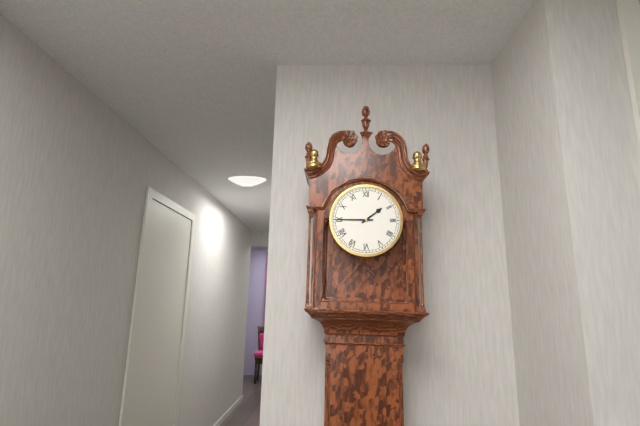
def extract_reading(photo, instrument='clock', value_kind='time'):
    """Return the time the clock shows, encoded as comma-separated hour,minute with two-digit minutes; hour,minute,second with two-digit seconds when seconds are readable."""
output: 1,45
